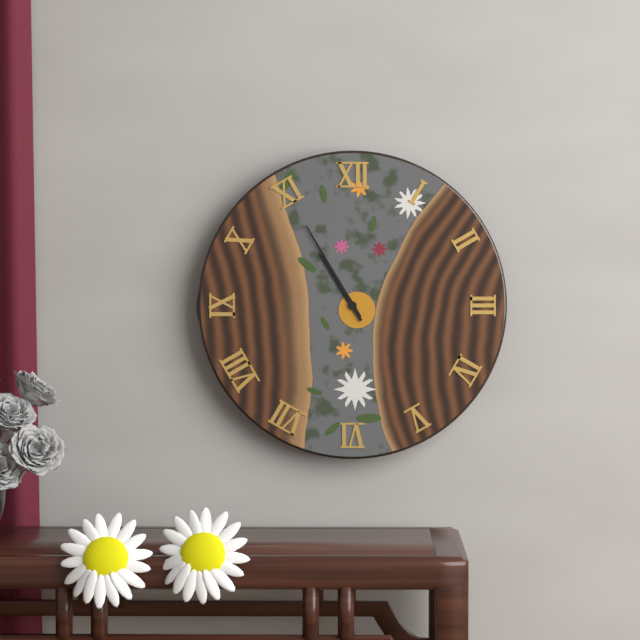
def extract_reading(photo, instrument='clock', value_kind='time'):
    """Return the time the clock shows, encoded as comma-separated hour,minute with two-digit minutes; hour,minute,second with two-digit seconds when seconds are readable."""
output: 10,55
